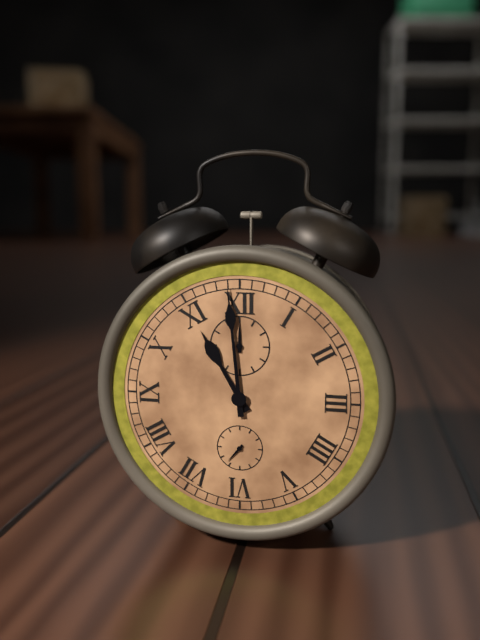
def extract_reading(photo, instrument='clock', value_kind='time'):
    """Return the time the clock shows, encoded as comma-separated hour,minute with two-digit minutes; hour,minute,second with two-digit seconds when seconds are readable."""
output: 10,59
